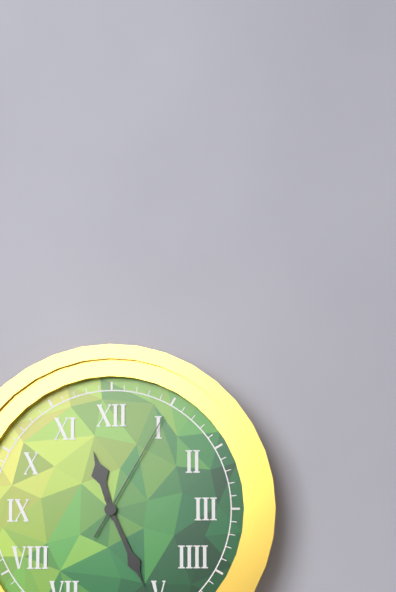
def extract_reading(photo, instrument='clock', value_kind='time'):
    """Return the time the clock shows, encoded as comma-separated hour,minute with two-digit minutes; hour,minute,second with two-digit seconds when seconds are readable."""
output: 11,26,05
